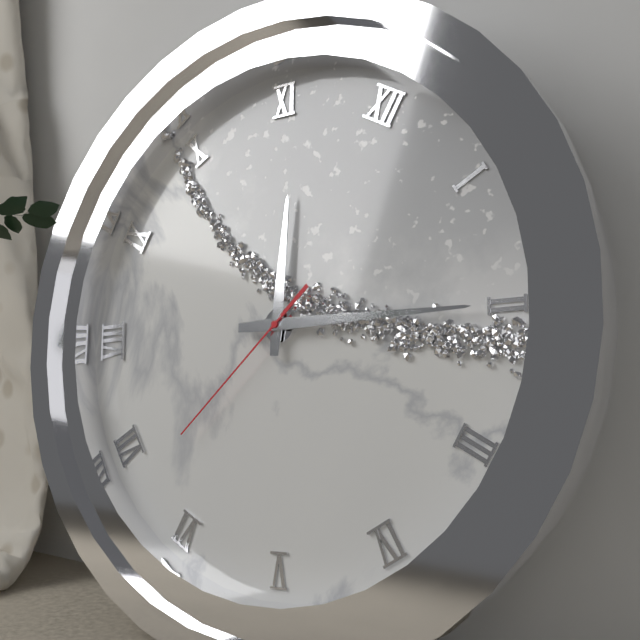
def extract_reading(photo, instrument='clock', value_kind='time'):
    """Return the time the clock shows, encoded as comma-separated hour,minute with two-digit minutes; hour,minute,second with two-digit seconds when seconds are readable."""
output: 11,10,33
